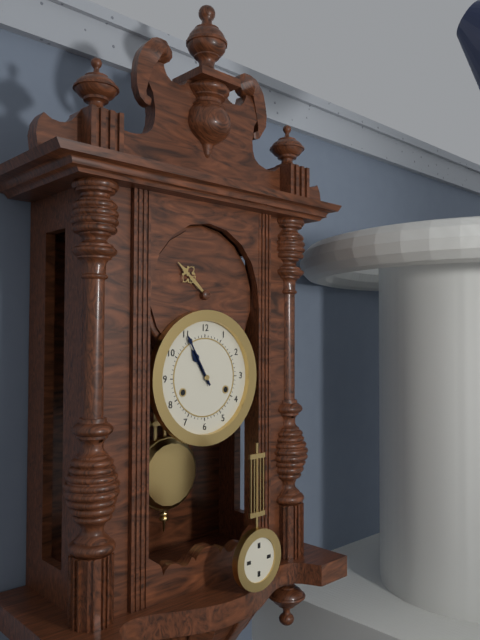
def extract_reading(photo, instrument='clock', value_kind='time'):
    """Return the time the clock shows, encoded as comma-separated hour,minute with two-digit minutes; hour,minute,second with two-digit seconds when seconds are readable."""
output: 10,55
